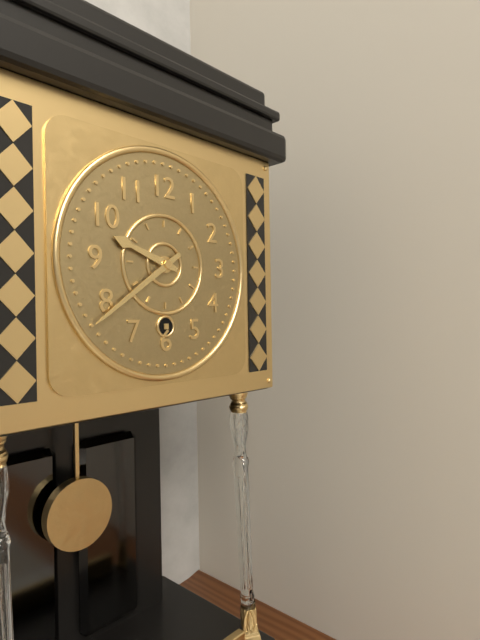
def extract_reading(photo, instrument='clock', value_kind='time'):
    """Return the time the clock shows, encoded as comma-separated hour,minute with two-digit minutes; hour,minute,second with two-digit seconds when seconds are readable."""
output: 9,39
